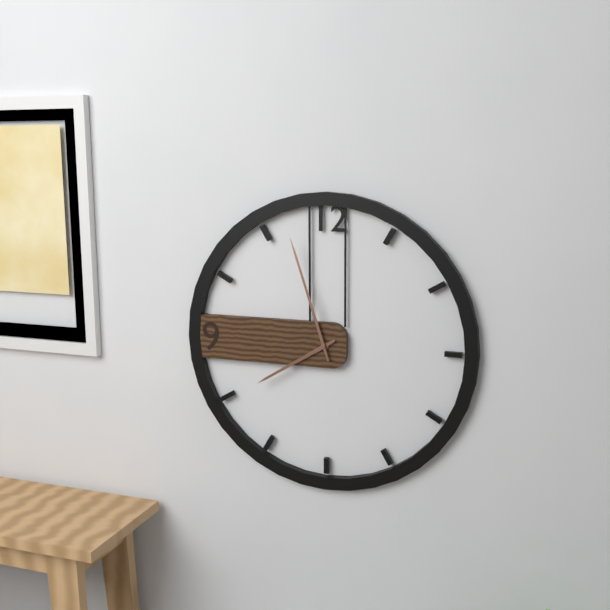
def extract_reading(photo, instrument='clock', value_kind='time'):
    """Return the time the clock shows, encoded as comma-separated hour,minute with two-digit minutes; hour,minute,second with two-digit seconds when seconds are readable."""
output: 7,57
